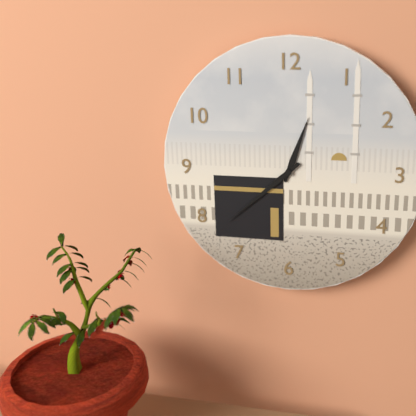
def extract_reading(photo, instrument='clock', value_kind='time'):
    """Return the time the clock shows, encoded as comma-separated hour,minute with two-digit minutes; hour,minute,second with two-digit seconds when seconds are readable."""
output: 12,38
